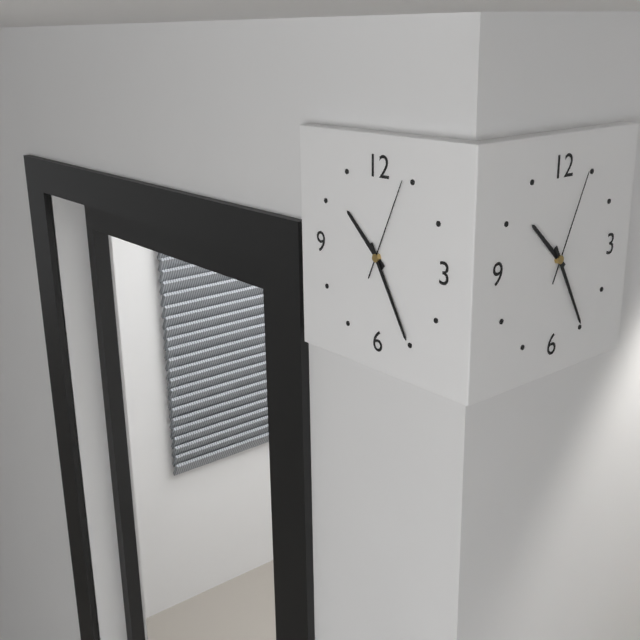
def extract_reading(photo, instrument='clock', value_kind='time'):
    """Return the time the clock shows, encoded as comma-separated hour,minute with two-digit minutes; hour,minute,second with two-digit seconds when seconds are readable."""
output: 10,25,04
